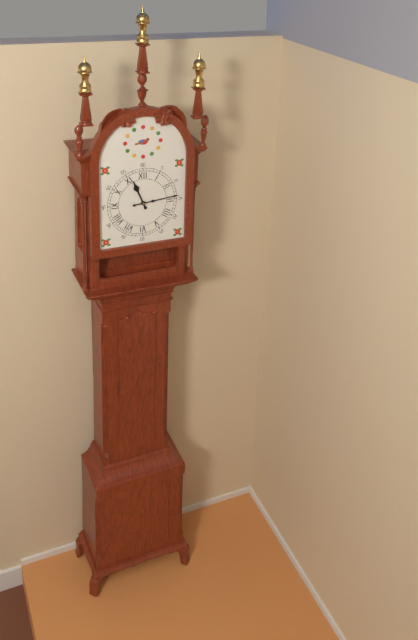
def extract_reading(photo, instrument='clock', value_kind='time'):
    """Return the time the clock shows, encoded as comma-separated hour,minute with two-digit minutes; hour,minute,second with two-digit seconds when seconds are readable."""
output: 11,14
